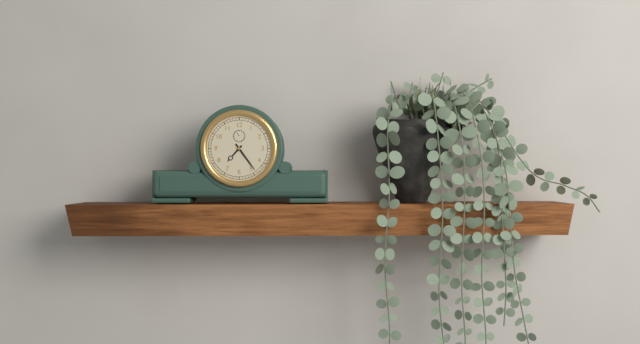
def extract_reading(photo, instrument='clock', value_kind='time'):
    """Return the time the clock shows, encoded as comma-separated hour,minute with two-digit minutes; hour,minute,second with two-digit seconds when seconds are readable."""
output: 7,24
